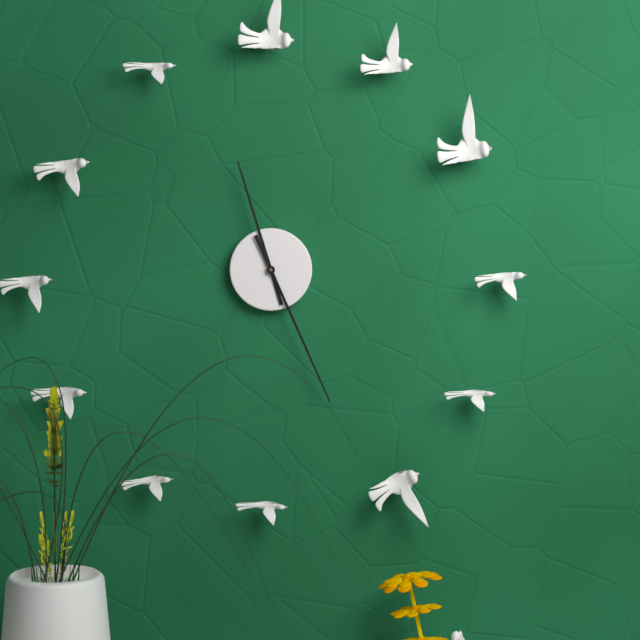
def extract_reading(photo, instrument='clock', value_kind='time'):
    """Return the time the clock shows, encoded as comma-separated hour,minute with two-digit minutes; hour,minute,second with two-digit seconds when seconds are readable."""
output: 11,26
